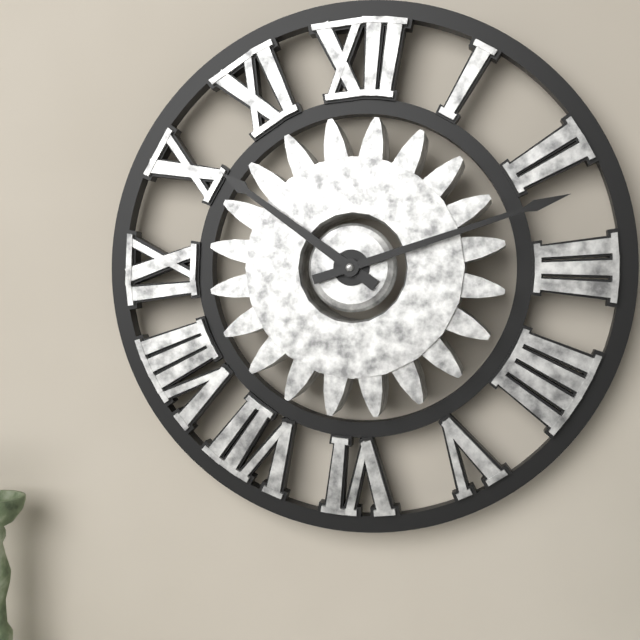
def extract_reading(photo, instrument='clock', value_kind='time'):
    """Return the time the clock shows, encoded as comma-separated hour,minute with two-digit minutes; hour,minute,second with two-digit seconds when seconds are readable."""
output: 10,12
